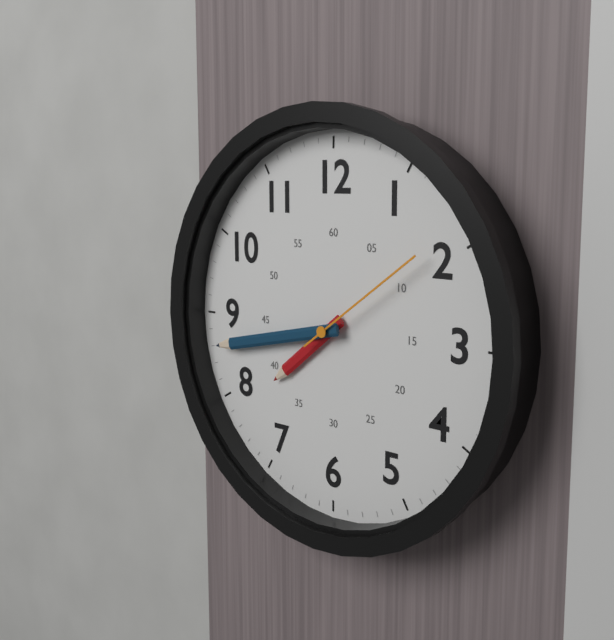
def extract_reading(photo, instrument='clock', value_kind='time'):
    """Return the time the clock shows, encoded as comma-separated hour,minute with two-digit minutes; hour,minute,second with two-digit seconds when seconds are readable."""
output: 7,43,09
